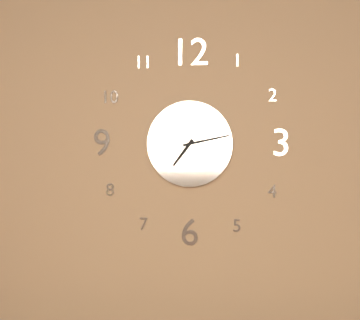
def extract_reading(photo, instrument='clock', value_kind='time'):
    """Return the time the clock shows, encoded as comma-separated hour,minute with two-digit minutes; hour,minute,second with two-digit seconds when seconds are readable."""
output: 7,13
